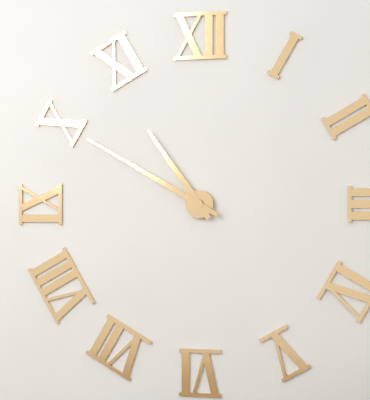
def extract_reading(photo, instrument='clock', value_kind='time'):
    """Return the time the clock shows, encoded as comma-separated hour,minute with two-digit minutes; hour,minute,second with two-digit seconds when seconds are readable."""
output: 10,50
